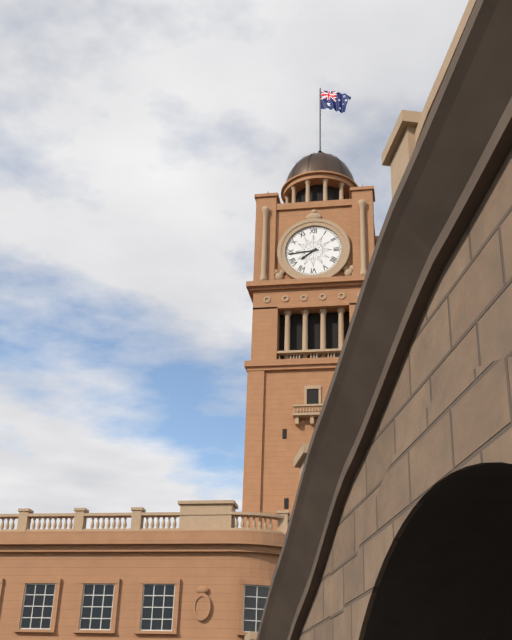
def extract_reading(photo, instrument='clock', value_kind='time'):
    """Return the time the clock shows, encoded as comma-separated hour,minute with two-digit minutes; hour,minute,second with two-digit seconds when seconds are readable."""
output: 7,44
